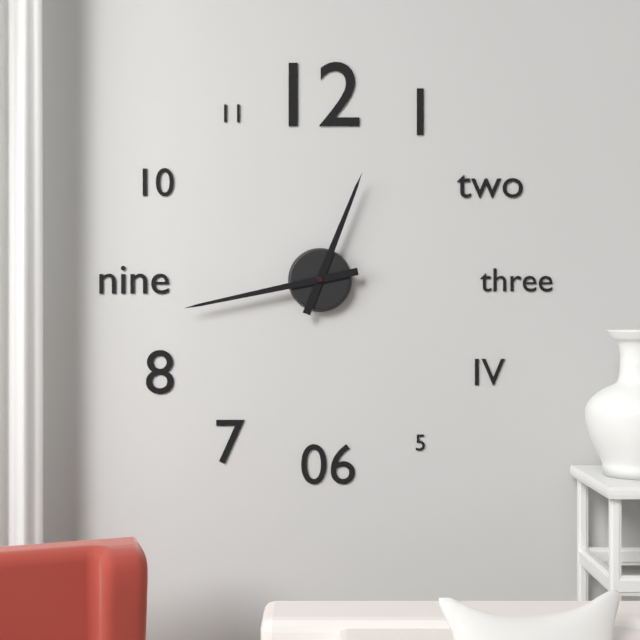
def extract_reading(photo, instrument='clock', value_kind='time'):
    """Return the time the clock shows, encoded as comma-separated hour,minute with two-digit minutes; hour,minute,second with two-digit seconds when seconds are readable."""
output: 12,43
